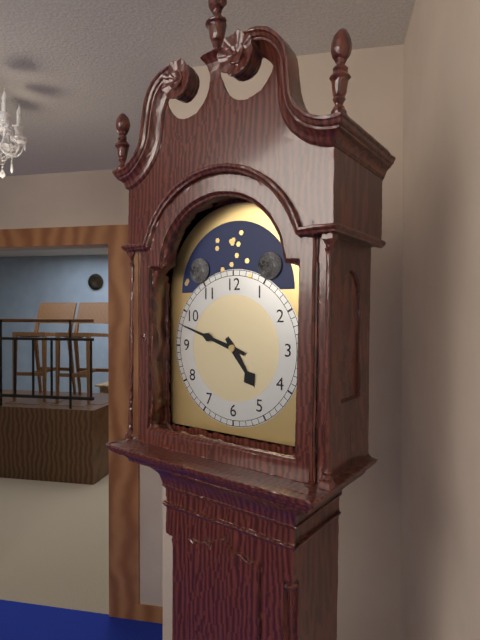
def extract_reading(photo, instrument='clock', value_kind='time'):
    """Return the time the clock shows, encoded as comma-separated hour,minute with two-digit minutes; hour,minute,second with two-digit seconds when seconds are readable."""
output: 4,48
